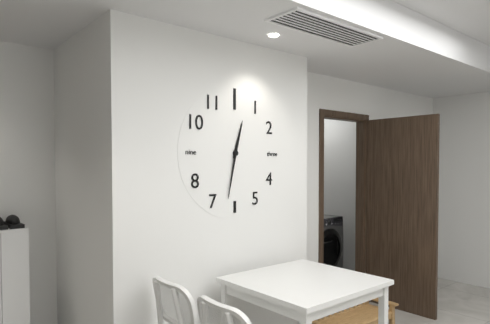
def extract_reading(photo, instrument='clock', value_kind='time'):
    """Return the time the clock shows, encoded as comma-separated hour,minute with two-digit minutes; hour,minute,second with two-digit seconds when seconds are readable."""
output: 12,32
